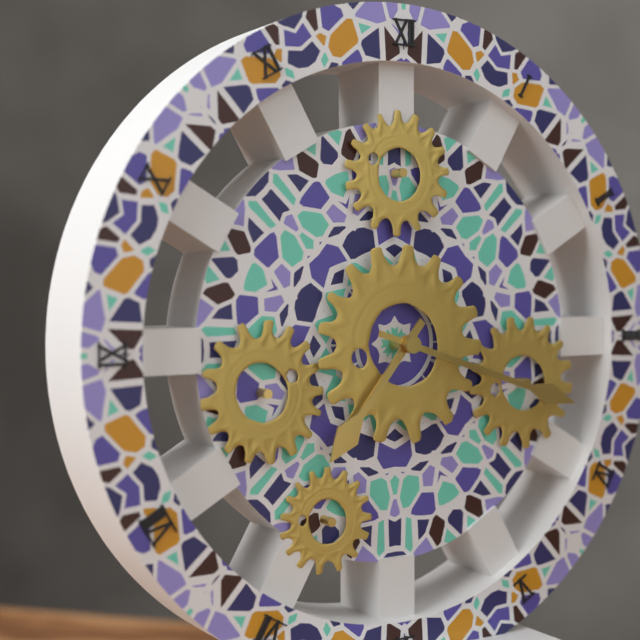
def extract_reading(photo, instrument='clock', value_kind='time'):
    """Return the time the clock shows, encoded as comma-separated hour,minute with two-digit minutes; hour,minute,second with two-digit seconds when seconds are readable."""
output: 7,18
